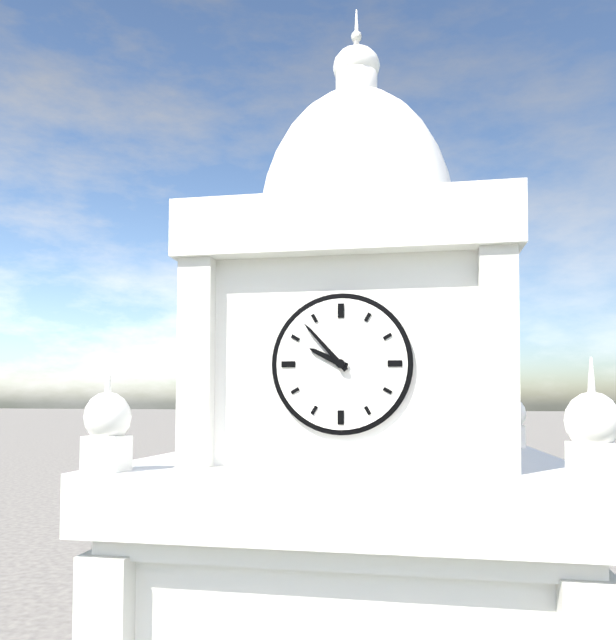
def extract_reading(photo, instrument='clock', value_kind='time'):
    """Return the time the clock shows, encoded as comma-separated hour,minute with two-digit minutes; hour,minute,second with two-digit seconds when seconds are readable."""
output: 9,53
